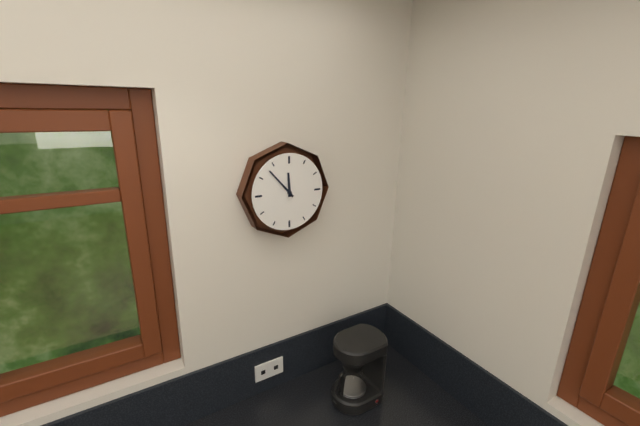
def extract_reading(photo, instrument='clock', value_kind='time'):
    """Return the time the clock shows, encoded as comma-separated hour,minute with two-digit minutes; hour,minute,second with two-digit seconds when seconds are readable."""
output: 11,53
